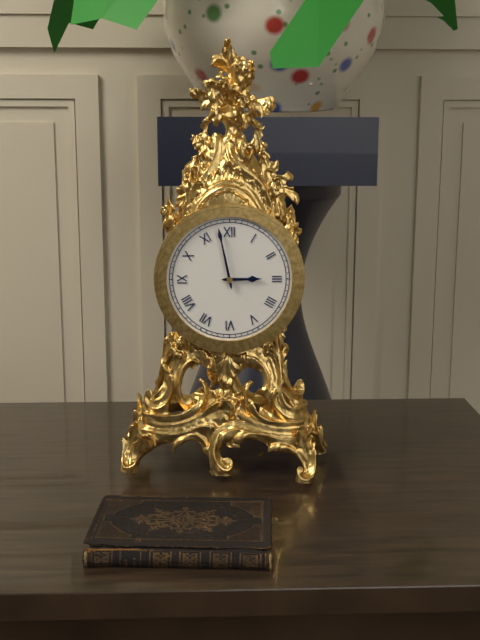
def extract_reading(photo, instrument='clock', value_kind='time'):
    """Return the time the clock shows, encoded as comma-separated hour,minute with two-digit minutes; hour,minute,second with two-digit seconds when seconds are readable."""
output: 2,58
